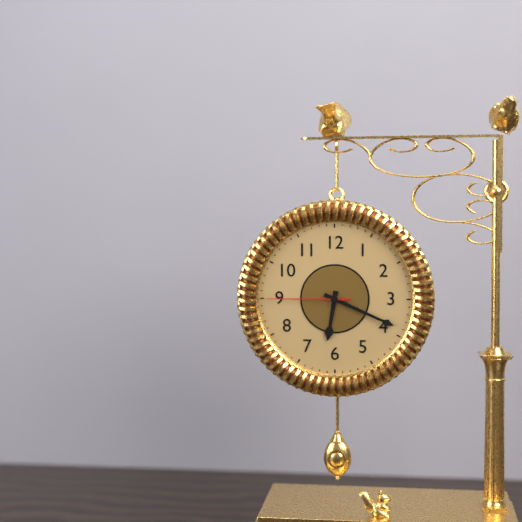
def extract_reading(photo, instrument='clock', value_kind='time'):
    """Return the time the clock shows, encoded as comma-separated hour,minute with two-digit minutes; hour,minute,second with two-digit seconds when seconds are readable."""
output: 6,19,45
